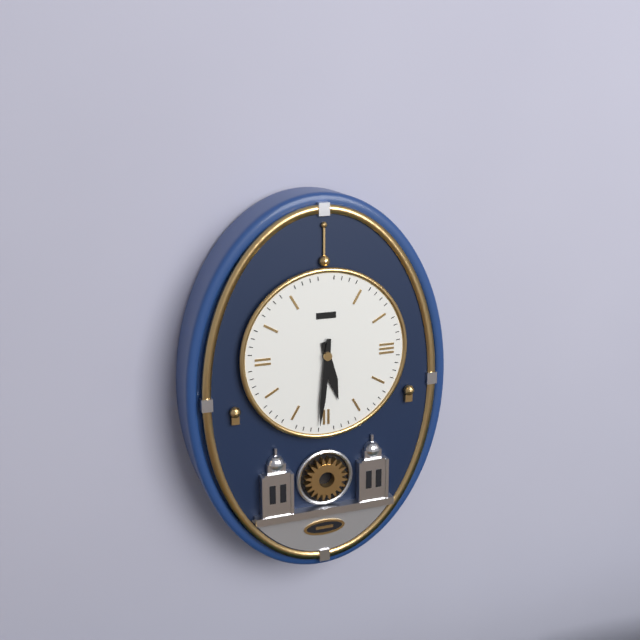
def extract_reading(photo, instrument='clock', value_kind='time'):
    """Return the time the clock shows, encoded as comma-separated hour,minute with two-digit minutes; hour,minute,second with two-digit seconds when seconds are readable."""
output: 5,31
